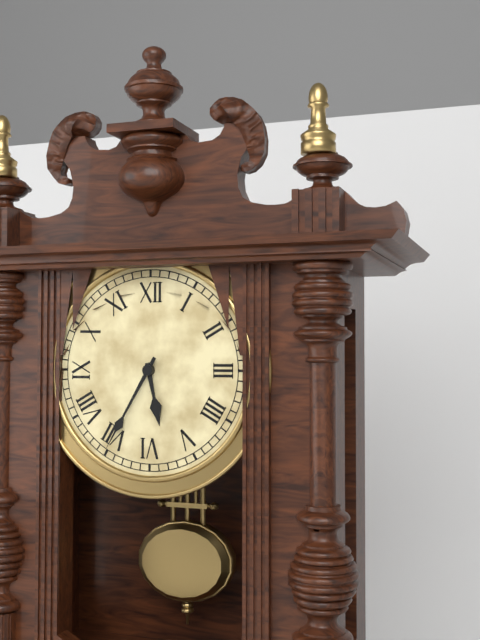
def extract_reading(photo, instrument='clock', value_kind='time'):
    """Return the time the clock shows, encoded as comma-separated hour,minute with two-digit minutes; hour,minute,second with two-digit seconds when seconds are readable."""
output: 5,35
